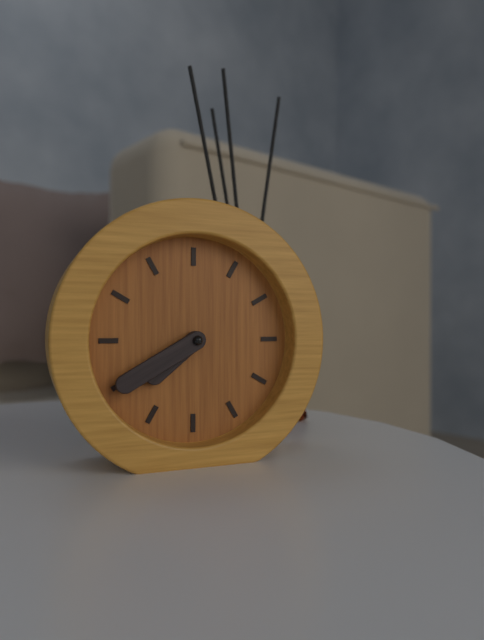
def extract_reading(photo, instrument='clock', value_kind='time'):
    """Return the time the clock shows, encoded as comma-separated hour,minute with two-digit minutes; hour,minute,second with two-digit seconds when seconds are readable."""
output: 7,40
